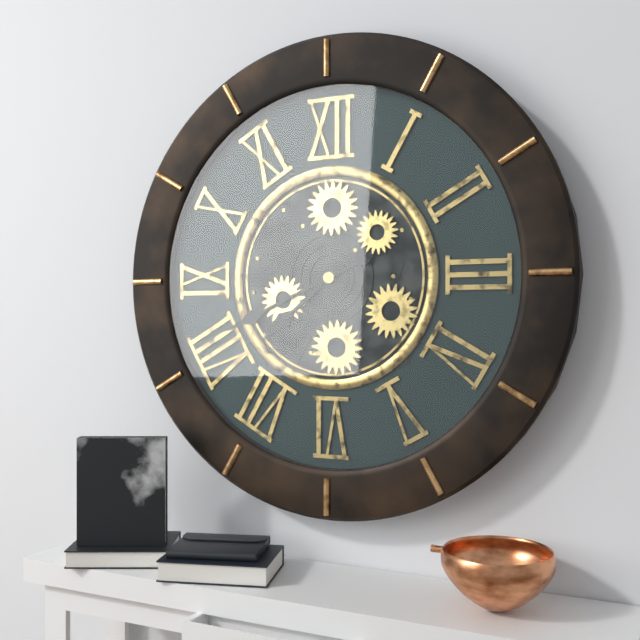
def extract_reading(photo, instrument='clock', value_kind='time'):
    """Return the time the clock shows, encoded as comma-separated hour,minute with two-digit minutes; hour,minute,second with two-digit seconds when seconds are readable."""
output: 7,41
